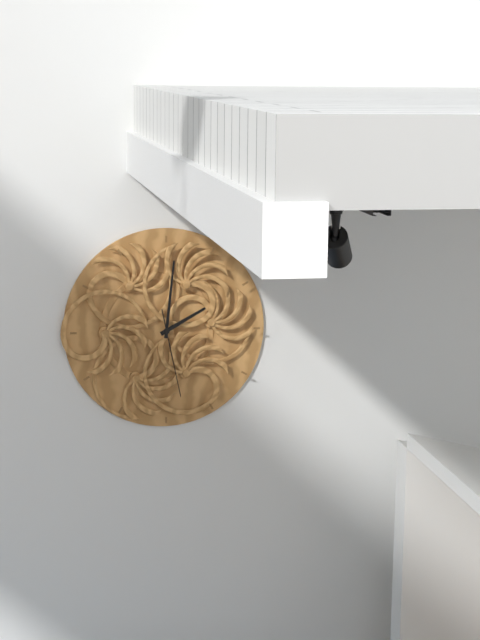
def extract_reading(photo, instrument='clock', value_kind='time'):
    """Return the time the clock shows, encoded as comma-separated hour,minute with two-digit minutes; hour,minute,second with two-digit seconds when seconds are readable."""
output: 2,01,28
